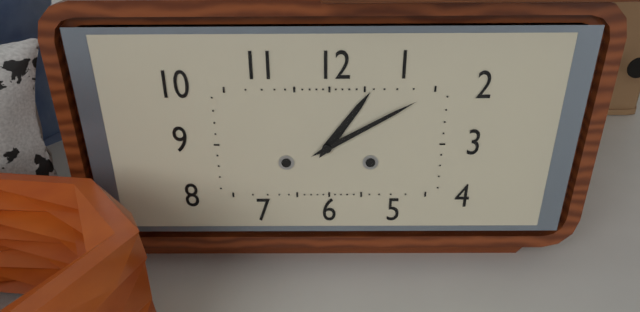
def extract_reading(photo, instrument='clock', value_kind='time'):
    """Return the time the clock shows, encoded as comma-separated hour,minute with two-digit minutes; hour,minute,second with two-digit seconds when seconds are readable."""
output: 1,10
